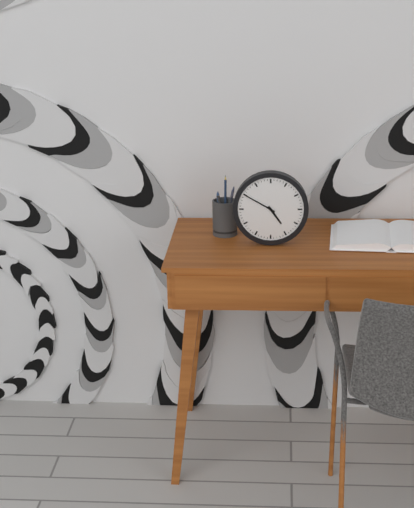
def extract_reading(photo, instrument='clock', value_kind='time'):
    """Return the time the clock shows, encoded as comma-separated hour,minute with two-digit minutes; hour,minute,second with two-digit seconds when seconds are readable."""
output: 4,50
